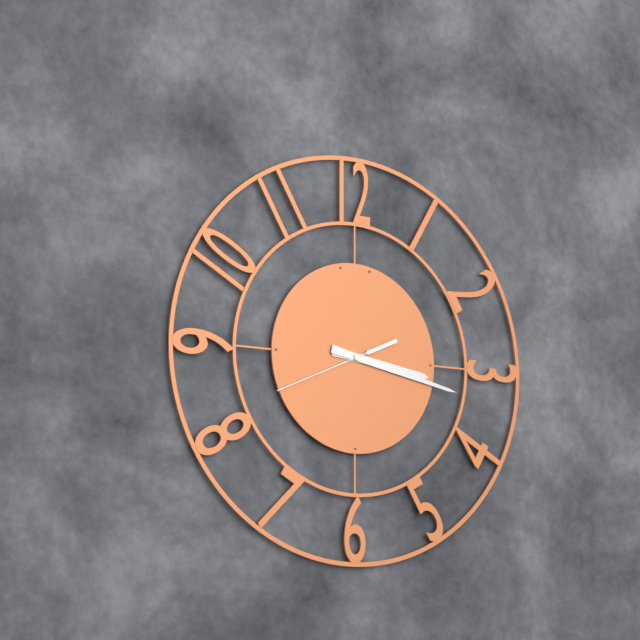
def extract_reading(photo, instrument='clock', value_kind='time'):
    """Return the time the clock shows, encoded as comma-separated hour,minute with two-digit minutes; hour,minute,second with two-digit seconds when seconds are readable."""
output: 3,17,41
